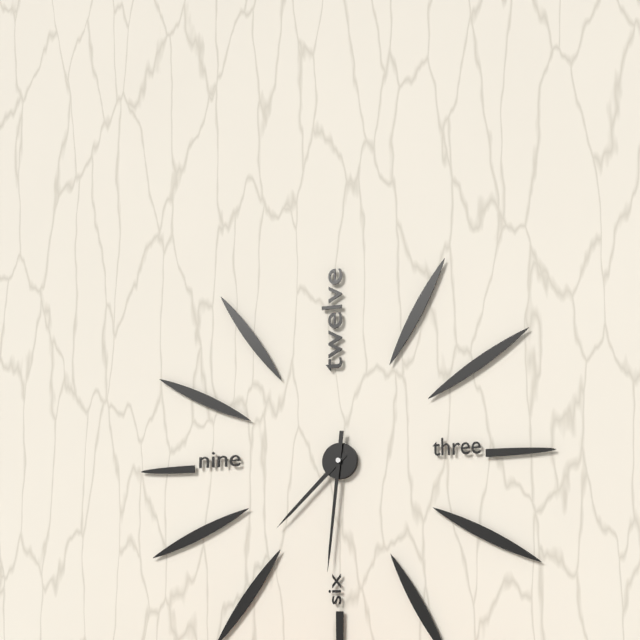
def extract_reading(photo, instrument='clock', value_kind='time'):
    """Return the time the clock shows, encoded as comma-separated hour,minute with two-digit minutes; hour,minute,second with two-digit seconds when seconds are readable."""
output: 7,31
